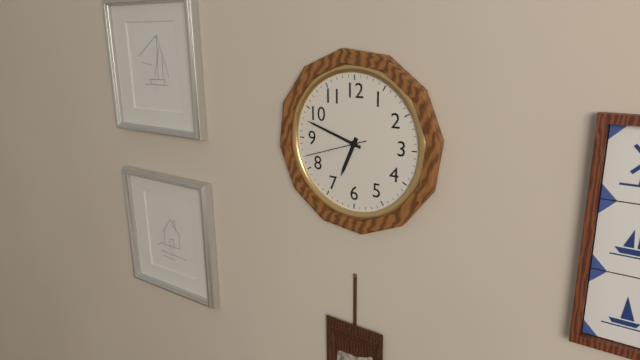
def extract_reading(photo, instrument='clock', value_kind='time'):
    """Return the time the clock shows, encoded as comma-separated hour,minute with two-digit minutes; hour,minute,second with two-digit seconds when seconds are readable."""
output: 6,48,42
